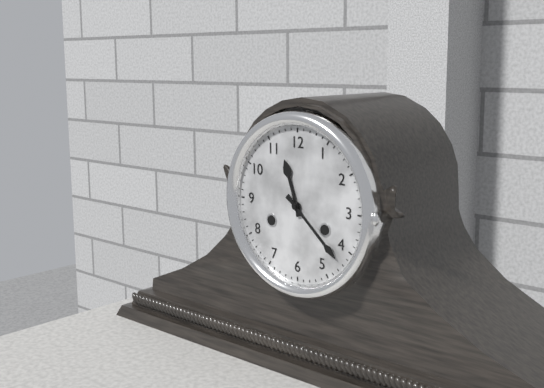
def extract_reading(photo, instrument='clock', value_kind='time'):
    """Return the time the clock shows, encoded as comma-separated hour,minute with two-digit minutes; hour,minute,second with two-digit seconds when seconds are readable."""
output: 11,22
